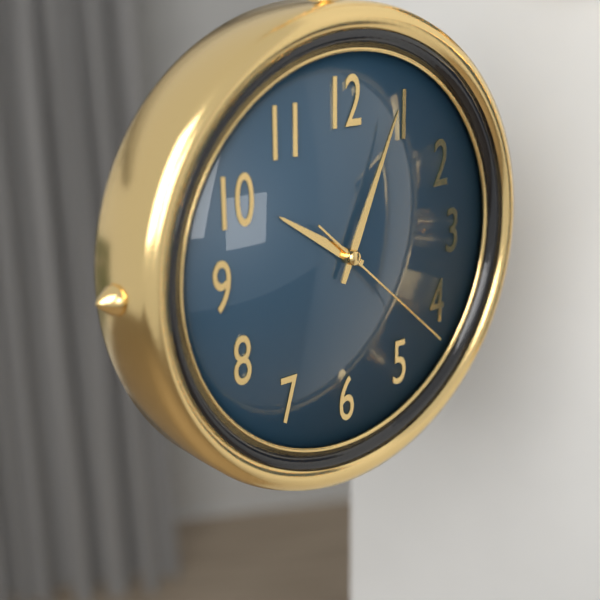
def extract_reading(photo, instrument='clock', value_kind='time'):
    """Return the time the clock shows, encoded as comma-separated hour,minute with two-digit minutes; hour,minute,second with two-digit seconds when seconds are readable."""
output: 10,04,22
